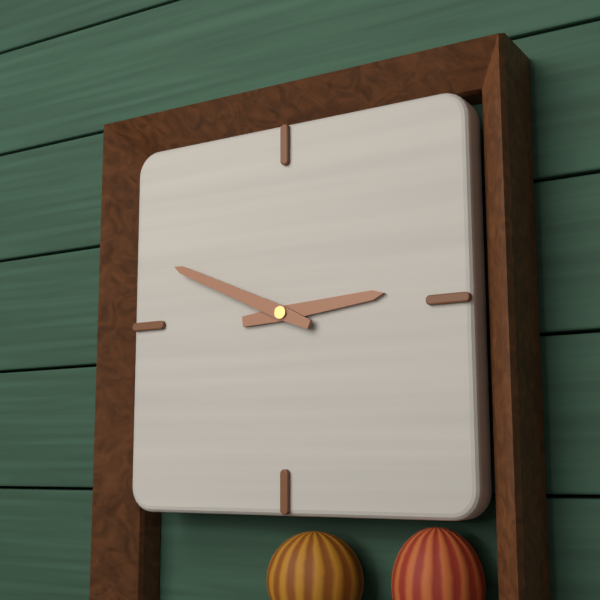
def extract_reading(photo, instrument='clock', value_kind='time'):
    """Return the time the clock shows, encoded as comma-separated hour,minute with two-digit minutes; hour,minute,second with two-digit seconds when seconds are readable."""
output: 2,49
